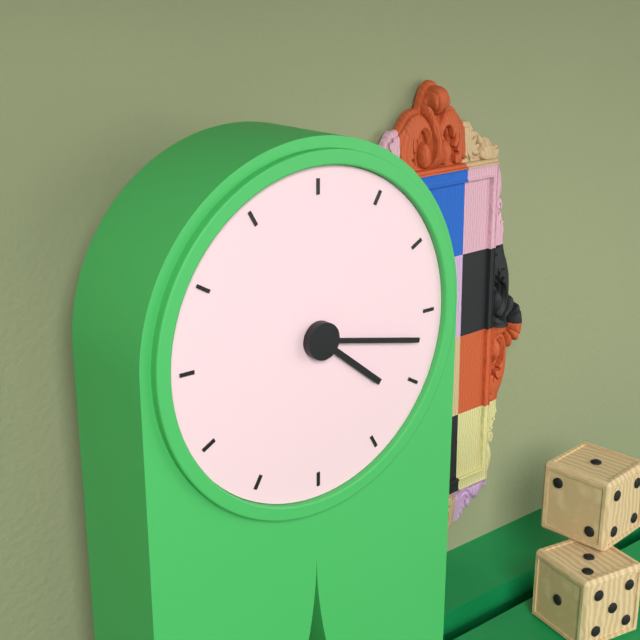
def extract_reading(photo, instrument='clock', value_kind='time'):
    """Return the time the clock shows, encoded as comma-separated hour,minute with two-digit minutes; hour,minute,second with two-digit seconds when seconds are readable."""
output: 4,17
